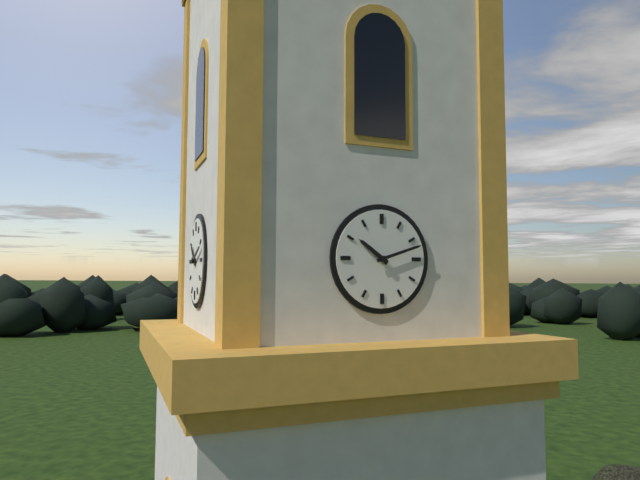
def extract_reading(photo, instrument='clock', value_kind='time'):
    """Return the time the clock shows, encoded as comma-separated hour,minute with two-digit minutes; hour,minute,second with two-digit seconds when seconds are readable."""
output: 10,12
